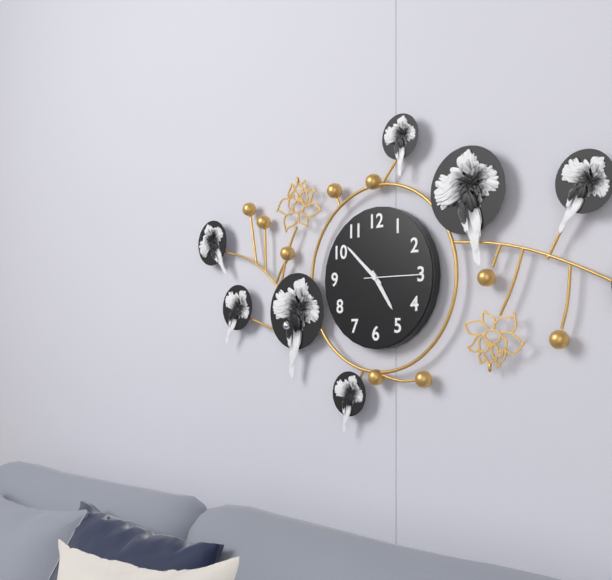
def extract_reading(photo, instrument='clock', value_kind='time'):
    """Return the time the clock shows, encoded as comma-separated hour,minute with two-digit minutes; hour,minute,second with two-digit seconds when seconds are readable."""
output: 4,52,15
